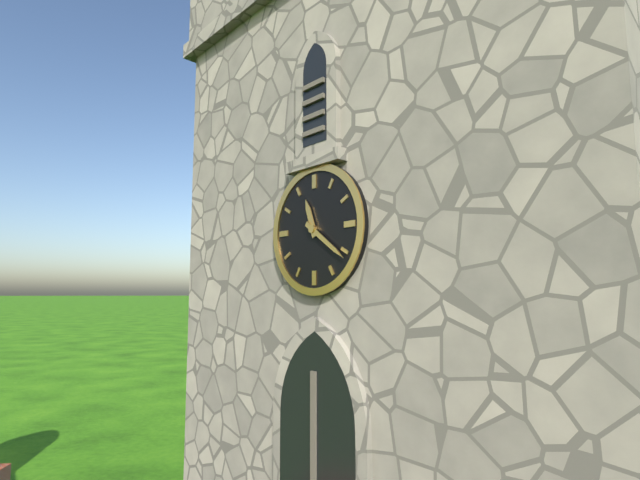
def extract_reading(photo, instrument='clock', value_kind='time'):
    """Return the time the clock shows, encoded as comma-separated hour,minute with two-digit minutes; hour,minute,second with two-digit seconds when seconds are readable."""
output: 11,21
